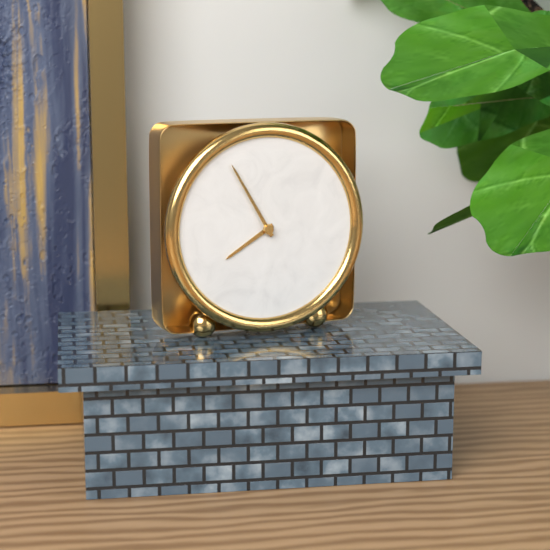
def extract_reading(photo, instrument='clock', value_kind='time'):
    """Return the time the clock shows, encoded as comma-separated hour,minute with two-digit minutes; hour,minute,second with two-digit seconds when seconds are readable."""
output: 7,55
